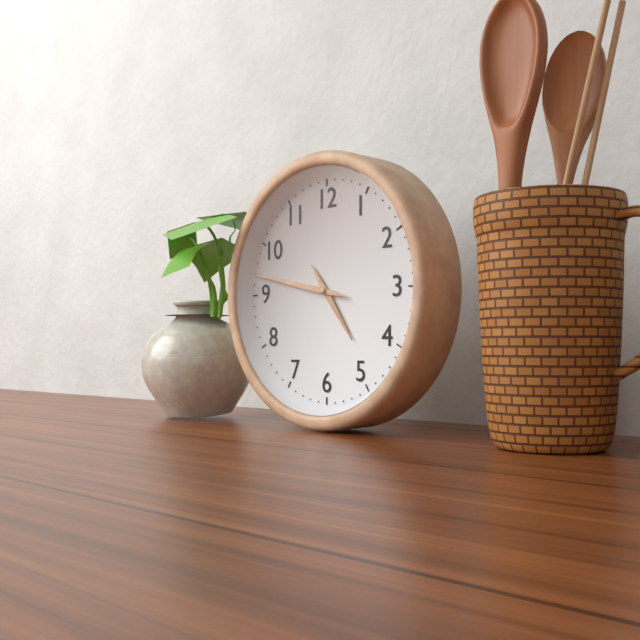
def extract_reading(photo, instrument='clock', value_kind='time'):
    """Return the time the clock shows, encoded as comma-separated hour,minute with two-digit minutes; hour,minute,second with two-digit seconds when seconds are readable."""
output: 4,47
